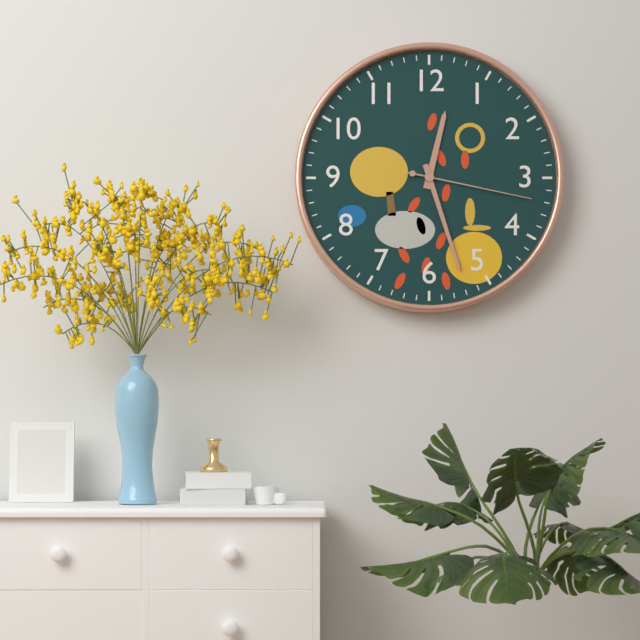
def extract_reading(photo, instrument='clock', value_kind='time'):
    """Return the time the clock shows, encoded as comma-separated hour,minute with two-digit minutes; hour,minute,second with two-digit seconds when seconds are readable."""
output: 12,27,17
